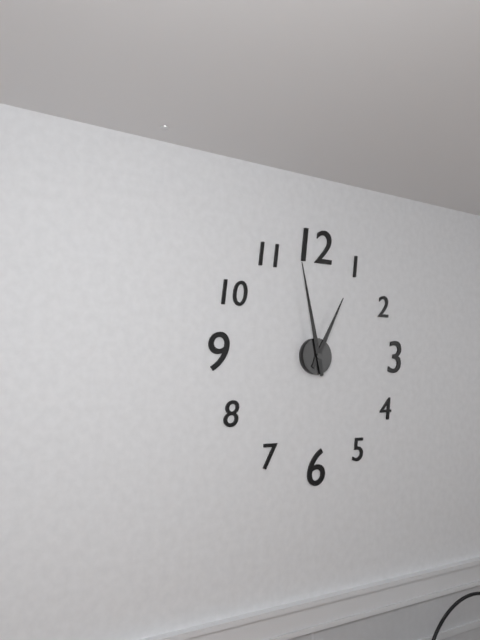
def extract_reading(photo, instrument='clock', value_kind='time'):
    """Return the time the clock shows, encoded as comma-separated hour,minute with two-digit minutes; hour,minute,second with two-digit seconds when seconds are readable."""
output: 12,58
